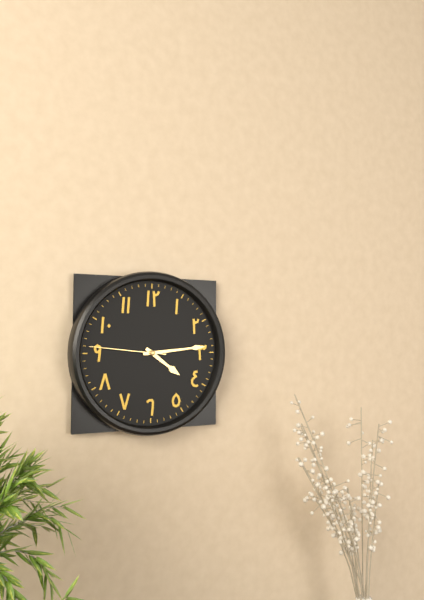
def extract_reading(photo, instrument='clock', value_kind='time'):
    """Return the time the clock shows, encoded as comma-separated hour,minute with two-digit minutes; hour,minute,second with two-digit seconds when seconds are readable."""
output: 4,14,46
